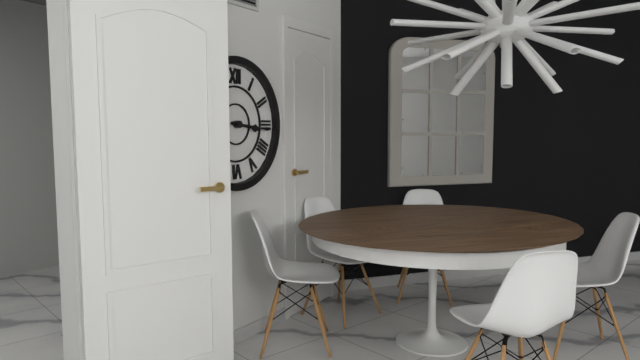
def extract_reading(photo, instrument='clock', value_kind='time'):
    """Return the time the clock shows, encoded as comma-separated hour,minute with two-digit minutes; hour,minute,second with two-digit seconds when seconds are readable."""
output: 3,16
